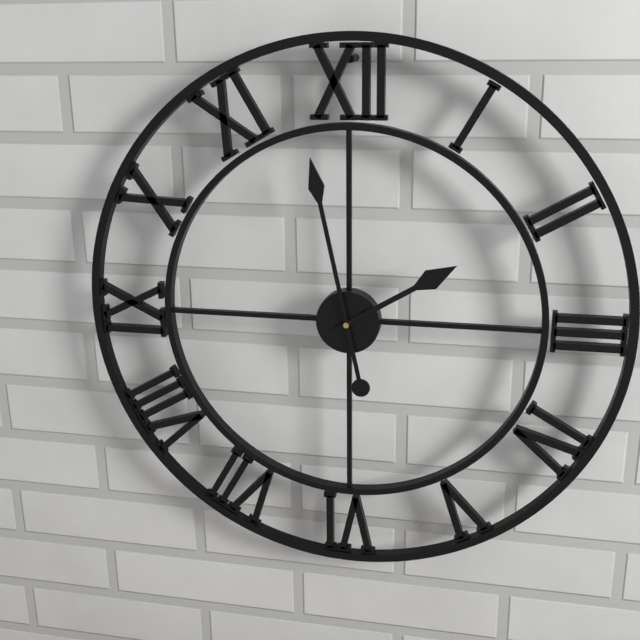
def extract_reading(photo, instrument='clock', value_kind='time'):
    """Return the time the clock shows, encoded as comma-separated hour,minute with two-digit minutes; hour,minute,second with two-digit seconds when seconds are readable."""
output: 1,58
